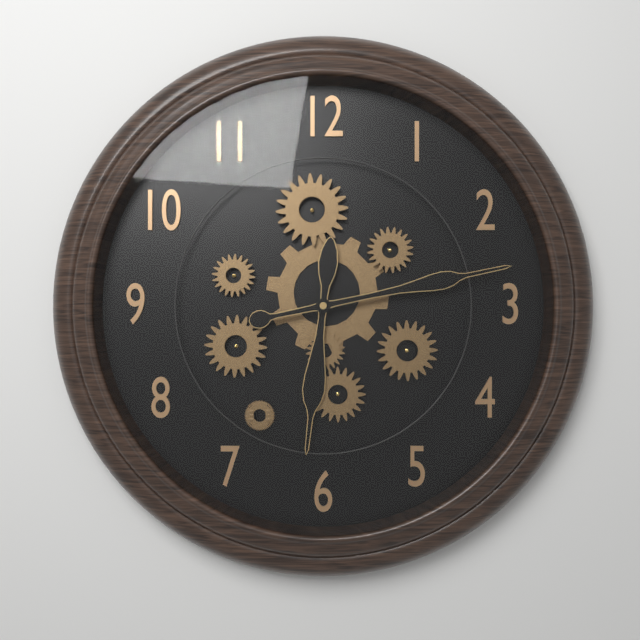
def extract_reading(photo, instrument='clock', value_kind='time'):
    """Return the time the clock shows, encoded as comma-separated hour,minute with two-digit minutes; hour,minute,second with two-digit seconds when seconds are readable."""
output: 6,13
